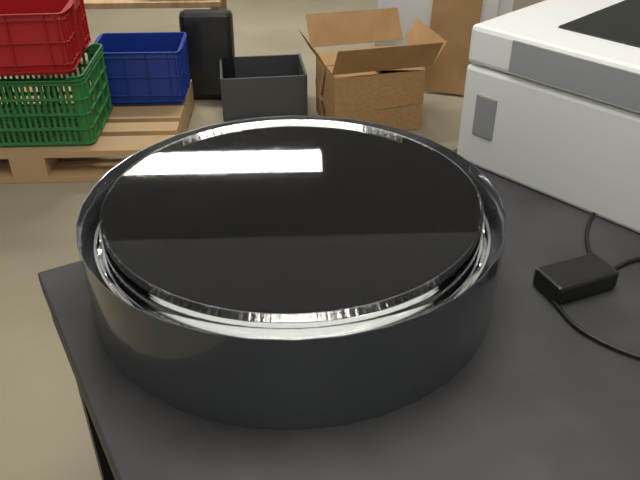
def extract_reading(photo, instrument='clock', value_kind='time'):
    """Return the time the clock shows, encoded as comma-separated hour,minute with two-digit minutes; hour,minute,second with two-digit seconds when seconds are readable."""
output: 7,41
